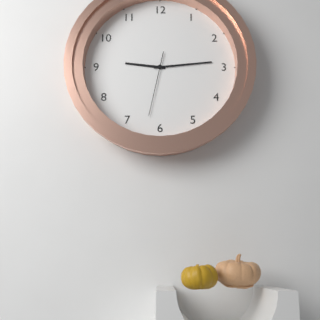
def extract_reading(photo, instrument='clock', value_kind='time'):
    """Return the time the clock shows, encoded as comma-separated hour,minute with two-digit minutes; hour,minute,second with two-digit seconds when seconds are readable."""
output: 9,14,32
